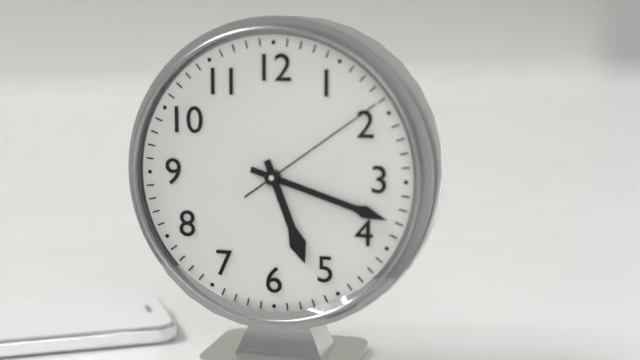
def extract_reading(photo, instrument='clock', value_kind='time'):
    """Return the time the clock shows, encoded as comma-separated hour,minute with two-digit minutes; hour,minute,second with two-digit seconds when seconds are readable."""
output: 5,18,09
